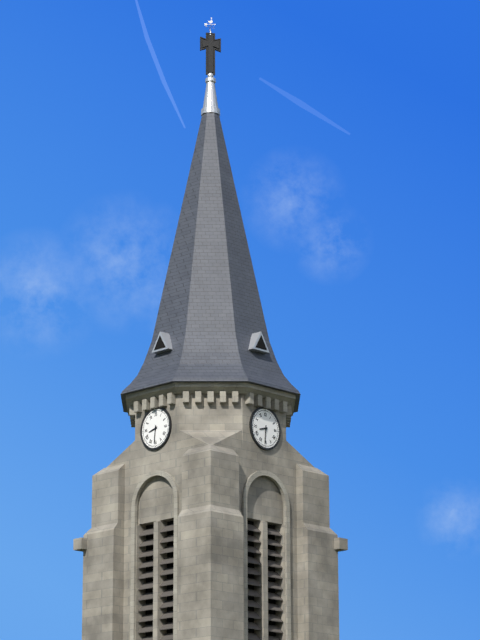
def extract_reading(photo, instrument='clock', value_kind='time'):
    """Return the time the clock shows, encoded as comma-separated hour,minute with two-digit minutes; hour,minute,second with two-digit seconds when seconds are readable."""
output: 8,31
